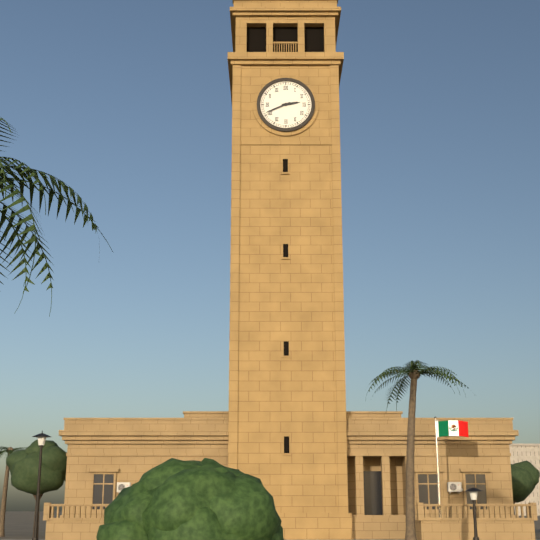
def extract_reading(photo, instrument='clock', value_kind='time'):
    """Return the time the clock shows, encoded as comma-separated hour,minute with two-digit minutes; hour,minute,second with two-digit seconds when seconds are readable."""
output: 2,41
